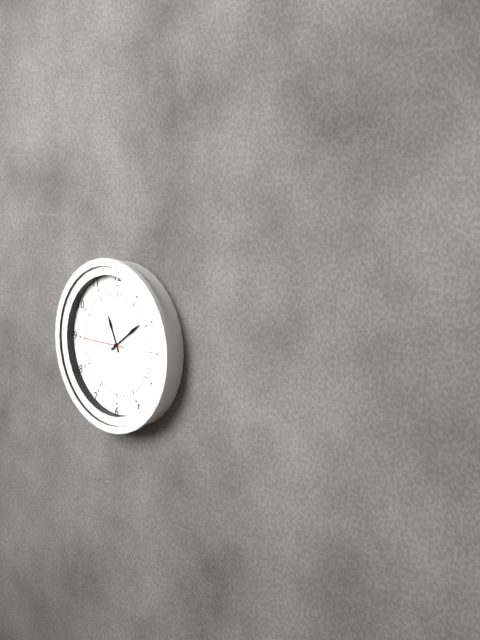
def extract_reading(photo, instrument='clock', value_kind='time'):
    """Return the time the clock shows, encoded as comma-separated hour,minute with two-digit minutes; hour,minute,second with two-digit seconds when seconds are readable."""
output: 11,09
